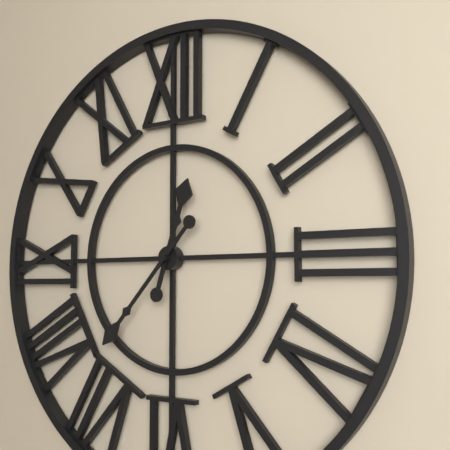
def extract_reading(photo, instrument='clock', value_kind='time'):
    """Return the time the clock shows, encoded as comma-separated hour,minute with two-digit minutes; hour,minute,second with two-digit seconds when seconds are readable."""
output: 12,37
